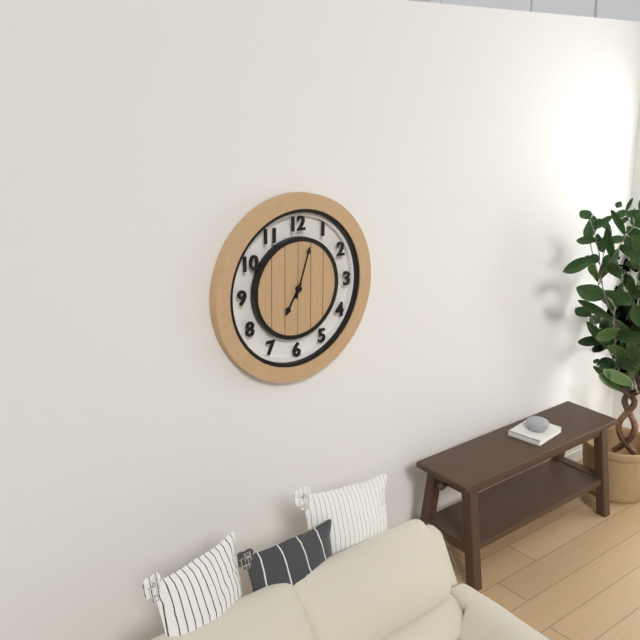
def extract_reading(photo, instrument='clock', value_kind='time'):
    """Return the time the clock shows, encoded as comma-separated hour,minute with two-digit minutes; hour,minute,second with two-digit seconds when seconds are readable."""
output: 7,03
